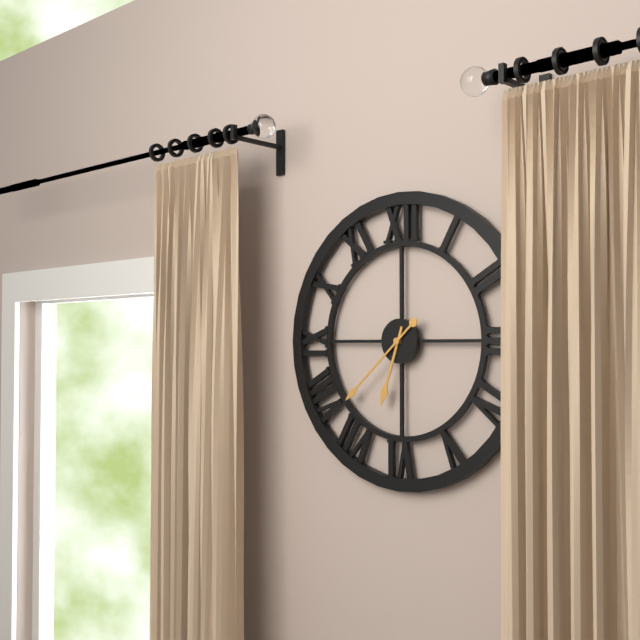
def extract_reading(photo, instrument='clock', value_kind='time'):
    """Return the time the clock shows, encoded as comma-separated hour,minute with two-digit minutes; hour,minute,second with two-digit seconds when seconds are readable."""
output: 6,38
